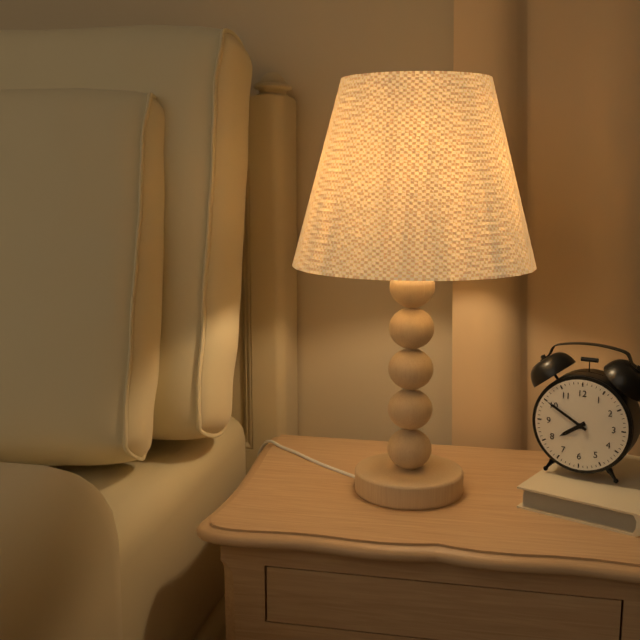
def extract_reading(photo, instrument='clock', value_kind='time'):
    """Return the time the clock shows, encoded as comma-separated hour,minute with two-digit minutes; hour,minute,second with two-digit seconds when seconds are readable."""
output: 7,50
